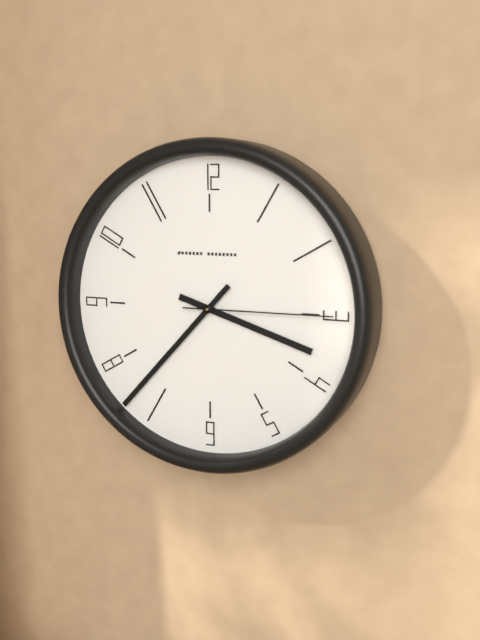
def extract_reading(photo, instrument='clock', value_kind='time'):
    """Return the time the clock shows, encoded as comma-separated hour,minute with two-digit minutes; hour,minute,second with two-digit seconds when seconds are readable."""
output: 3,37,15
